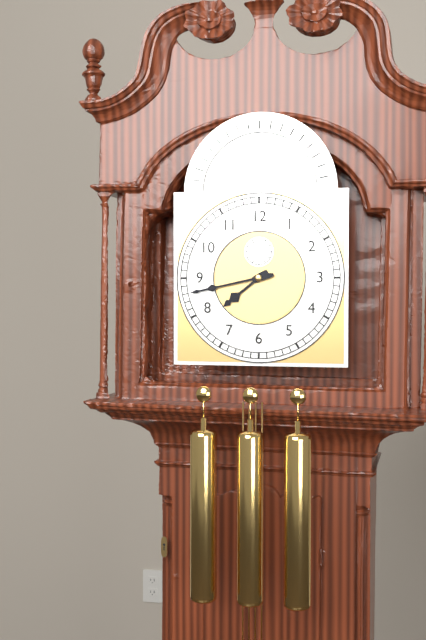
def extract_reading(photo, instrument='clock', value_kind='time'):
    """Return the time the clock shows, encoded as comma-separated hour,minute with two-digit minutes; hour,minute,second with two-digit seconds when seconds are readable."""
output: 7,43
